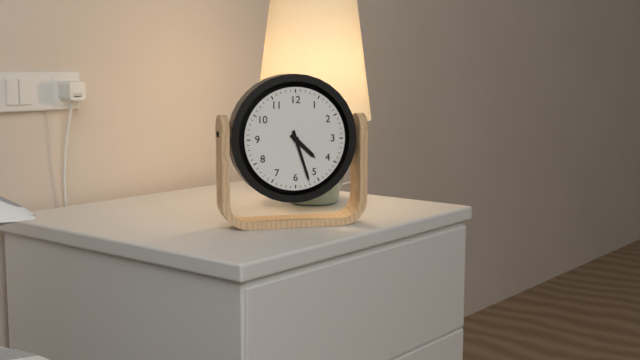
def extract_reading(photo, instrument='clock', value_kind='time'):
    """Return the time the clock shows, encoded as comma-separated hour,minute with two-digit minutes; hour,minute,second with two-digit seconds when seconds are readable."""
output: 4,27
